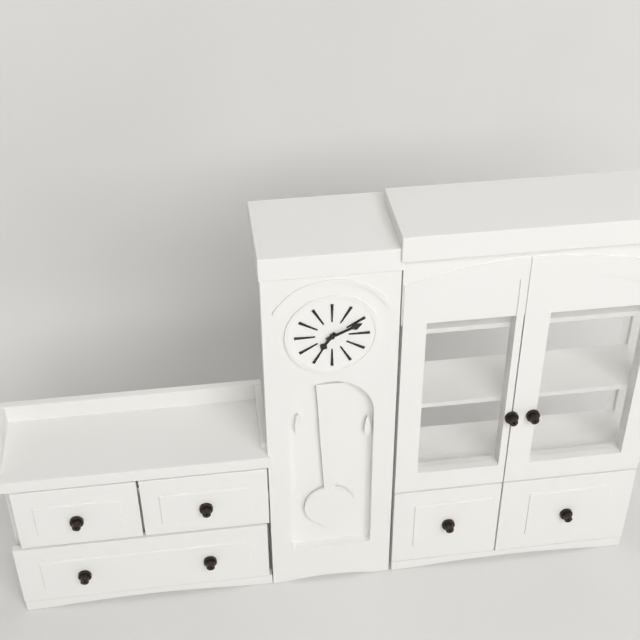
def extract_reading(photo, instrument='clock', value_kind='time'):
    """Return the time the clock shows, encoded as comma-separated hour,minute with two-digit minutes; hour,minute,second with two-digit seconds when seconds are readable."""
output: 7,11
